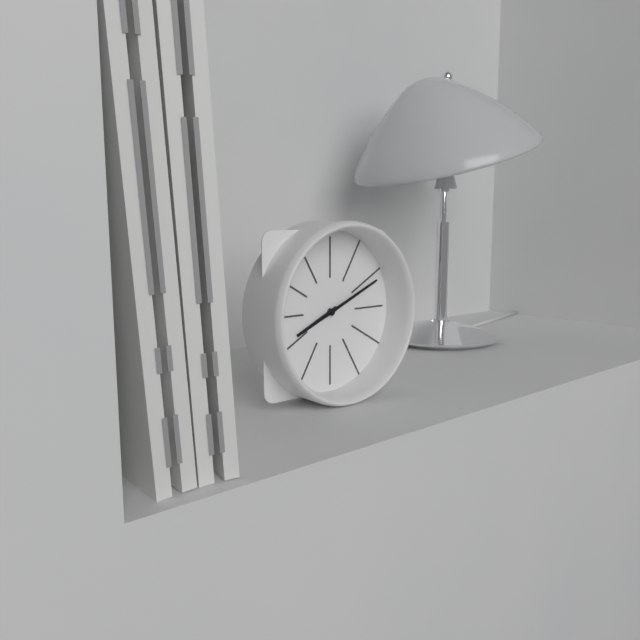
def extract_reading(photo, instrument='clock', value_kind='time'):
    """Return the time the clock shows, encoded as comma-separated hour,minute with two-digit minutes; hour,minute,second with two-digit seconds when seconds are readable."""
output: 8,11
